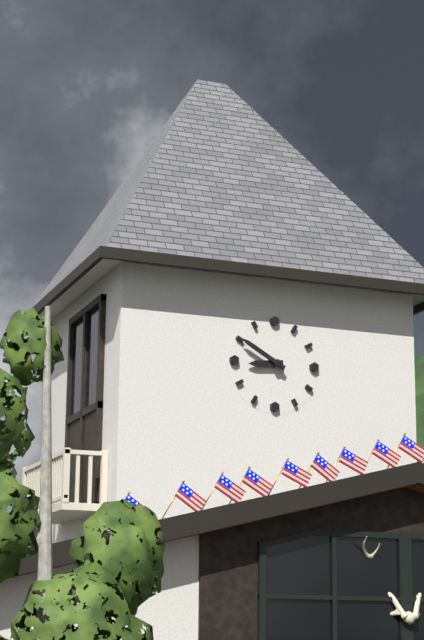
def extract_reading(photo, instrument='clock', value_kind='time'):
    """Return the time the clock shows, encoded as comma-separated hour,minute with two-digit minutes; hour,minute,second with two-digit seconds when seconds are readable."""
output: 8,50
